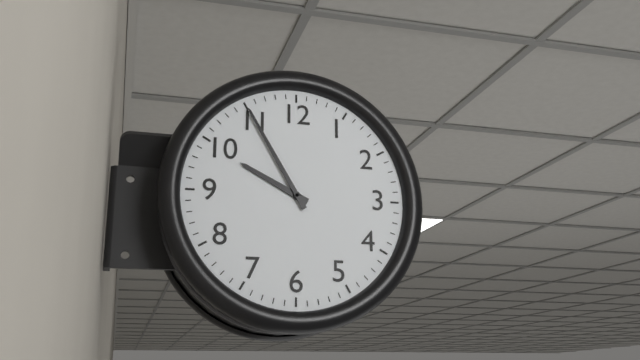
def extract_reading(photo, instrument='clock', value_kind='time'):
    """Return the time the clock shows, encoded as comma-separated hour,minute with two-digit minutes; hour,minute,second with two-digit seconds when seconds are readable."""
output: 9,55
